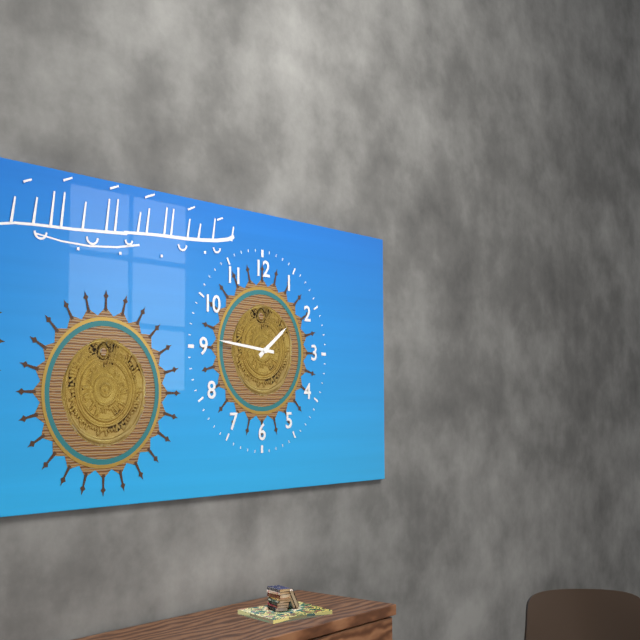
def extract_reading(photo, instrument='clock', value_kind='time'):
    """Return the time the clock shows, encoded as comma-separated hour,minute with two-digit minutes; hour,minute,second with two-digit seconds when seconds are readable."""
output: 1,46
